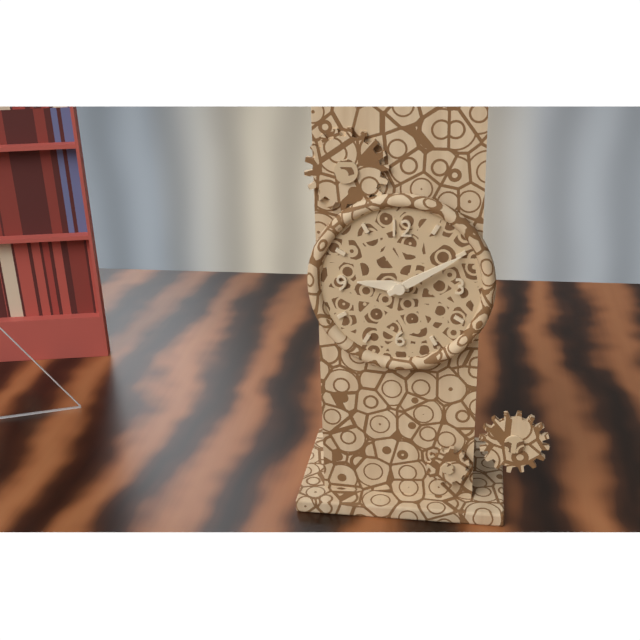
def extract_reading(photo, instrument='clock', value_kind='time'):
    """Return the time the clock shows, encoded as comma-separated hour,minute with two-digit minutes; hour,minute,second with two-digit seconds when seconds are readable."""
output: 9,10
